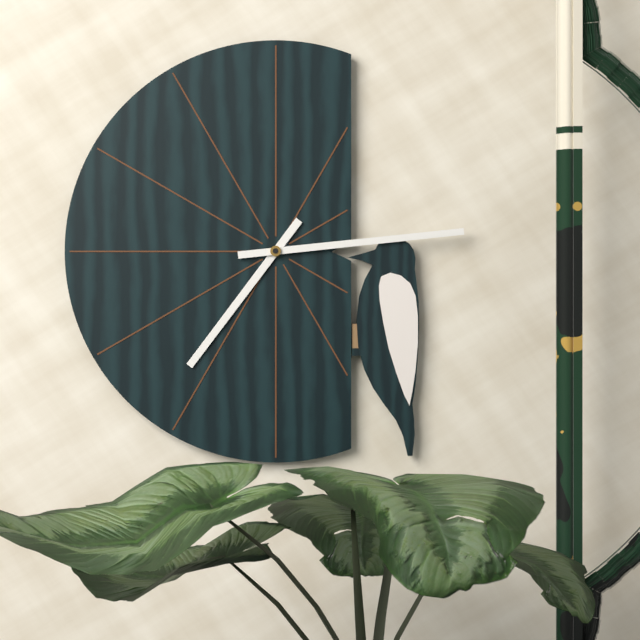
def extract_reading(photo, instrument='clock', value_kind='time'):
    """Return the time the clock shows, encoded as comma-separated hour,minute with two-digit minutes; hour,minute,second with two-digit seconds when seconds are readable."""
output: 7,14
